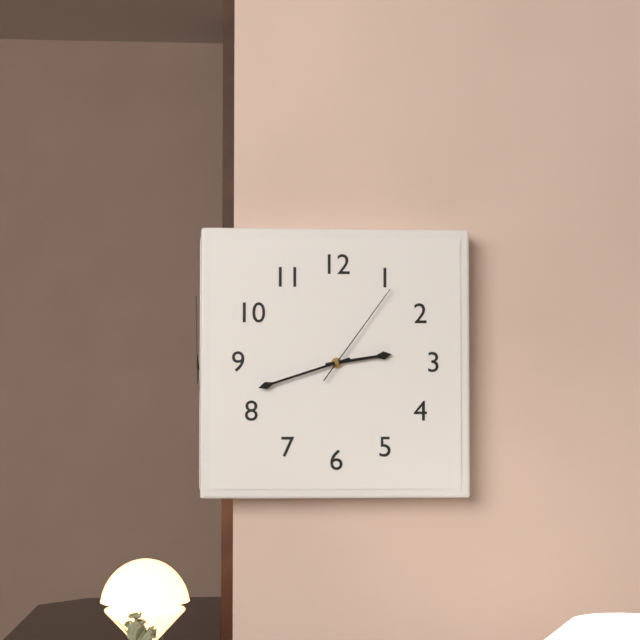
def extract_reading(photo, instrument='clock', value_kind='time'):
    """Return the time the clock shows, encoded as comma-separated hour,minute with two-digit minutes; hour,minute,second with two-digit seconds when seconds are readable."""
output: 2,42,06
